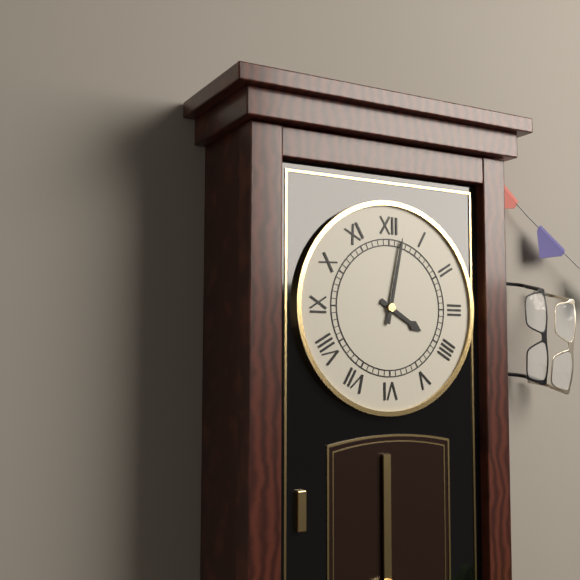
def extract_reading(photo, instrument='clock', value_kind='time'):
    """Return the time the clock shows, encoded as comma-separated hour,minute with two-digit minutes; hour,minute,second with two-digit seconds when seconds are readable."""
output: 4,02
